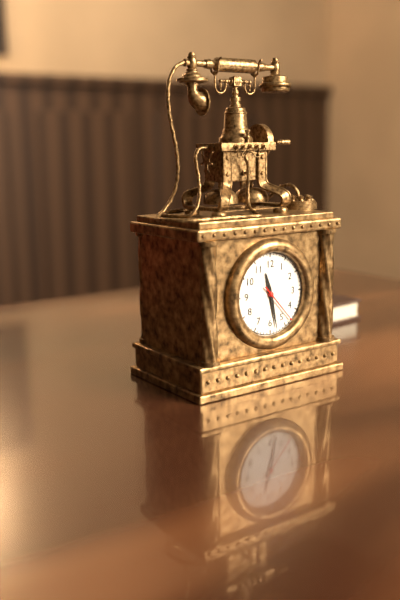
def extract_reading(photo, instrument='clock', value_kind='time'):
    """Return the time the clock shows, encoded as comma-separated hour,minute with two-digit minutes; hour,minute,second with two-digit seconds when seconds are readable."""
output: 11,28
